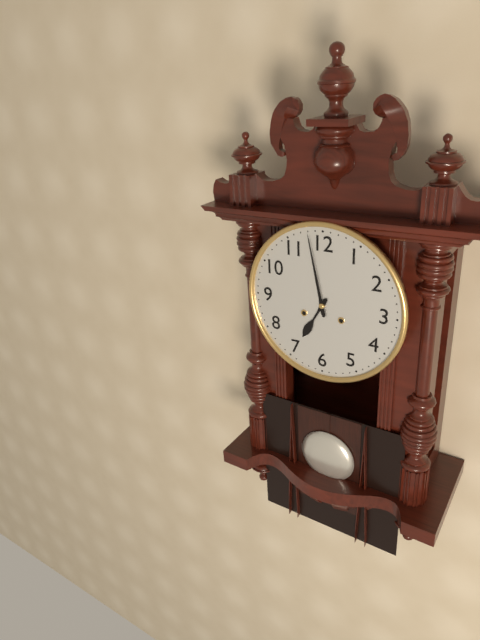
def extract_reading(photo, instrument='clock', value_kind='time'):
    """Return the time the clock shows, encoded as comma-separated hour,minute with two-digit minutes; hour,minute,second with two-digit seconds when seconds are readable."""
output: 6,58
